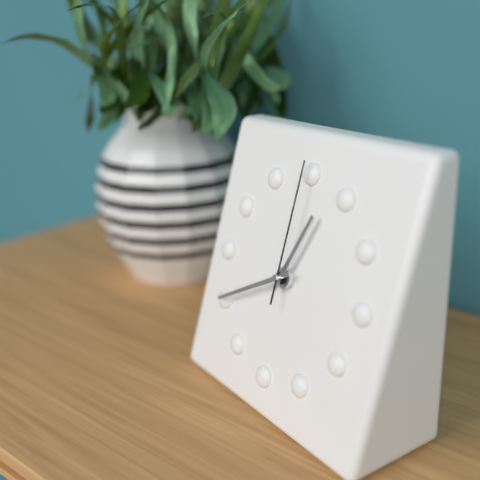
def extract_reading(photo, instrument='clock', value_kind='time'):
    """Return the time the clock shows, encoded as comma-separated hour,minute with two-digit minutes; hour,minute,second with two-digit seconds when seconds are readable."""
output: 12,40,00
